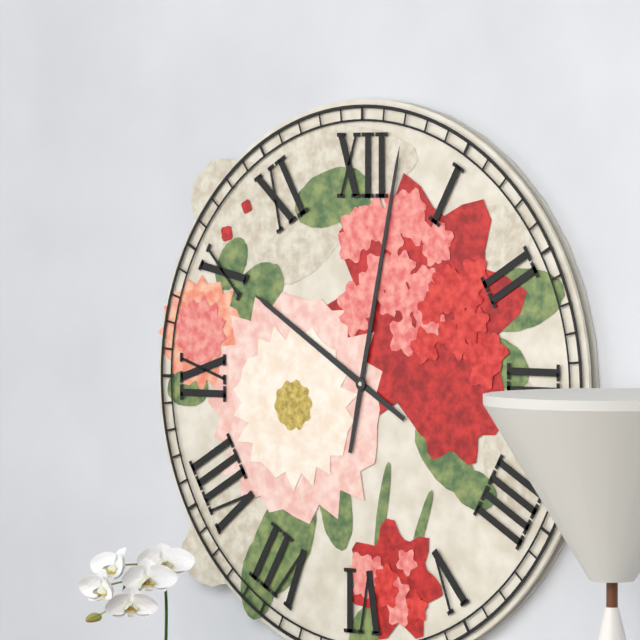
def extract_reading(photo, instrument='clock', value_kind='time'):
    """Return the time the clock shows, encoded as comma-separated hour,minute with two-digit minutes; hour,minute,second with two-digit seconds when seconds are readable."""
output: 10,02
